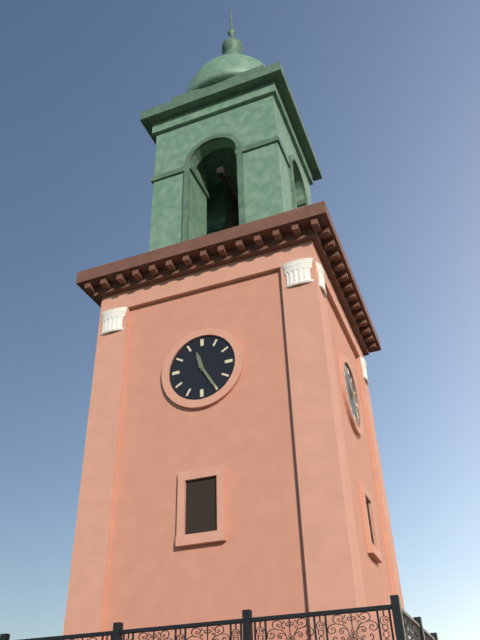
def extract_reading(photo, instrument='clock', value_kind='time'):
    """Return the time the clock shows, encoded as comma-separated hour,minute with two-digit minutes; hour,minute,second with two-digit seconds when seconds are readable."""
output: 11,25
